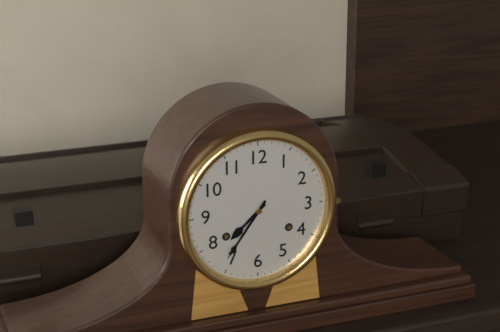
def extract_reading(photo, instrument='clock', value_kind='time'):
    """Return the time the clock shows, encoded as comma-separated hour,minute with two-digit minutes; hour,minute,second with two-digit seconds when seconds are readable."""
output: 7,36
